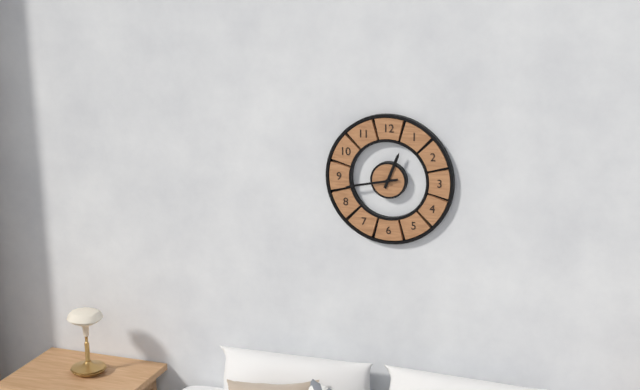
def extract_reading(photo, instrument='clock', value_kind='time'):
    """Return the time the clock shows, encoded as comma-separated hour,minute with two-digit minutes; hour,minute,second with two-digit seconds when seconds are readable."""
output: 12,43
